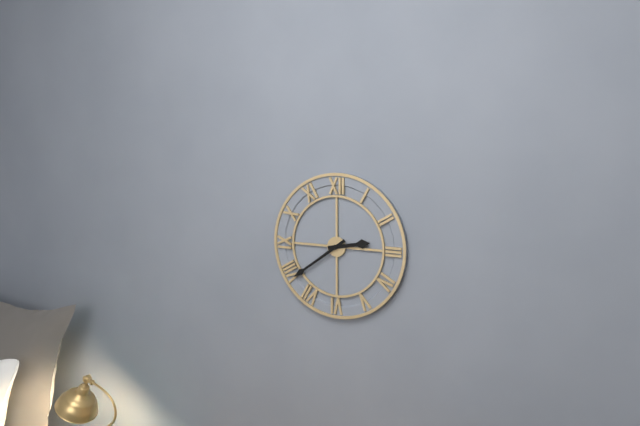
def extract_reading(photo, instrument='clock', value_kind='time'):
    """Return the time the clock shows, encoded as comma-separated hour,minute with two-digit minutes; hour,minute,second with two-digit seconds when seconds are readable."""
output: 2,39
